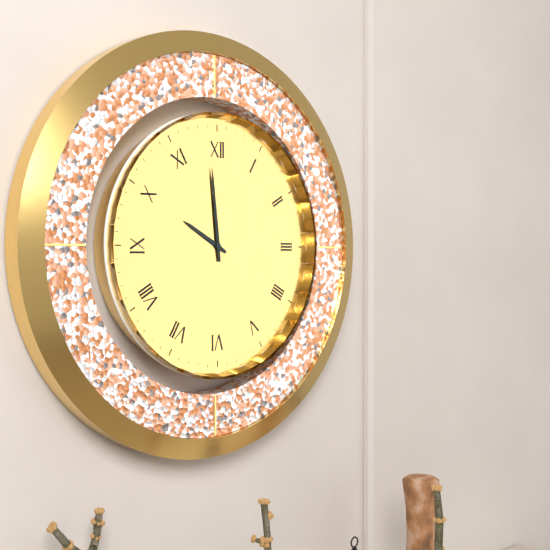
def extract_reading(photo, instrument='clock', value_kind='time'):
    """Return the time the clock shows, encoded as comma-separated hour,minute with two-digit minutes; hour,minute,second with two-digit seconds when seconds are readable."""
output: 9,59
